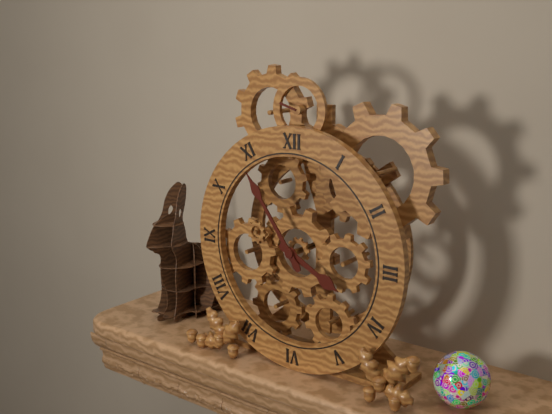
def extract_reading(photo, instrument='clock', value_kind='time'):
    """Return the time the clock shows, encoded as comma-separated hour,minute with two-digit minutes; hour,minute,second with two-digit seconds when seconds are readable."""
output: 3,54
